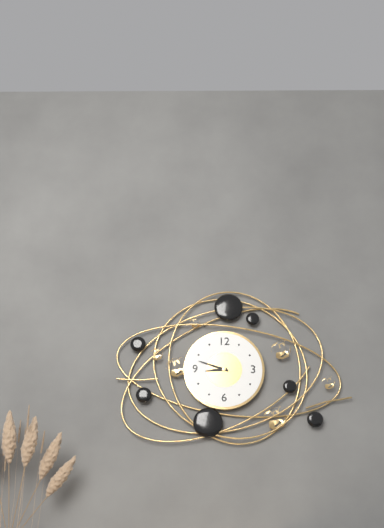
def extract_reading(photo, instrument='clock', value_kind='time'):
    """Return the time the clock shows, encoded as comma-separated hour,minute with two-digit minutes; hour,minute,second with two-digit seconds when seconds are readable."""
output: 8,48
